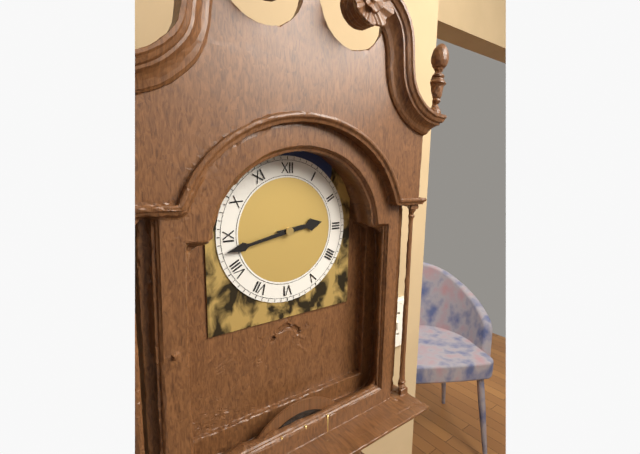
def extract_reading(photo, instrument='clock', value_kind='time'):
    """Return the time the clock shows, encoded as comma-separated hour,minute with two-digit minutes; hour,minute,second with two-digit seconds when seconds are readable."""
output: 2,43
